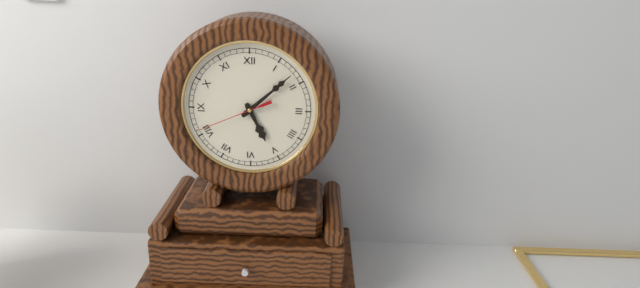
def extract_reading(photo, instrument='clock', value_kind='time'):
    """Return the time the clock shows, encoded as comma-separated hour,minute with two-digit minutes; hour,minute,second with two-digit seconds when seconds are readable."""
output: 5,08,41
